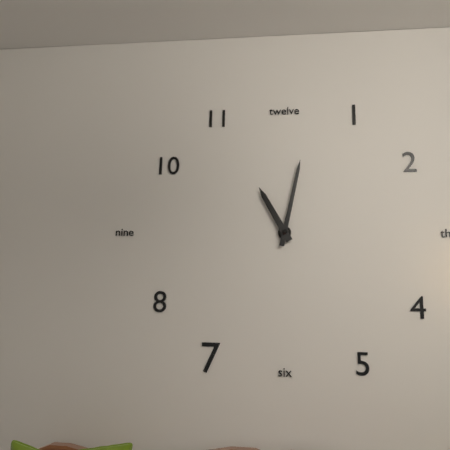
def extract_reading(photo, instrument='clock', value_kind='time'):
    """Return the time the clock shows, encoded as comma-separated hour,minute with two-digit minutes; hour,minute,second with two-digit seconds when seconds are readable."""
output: 11,02
